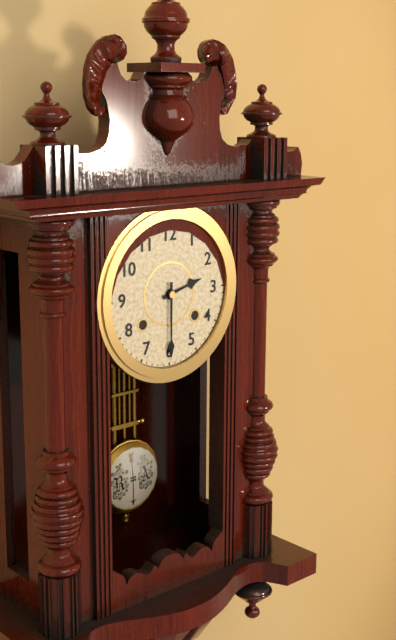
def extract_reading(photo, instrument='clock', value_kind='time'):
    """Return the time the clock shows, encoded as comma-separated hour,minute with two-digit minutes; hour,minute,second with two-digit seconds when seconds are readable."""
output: 2,30
